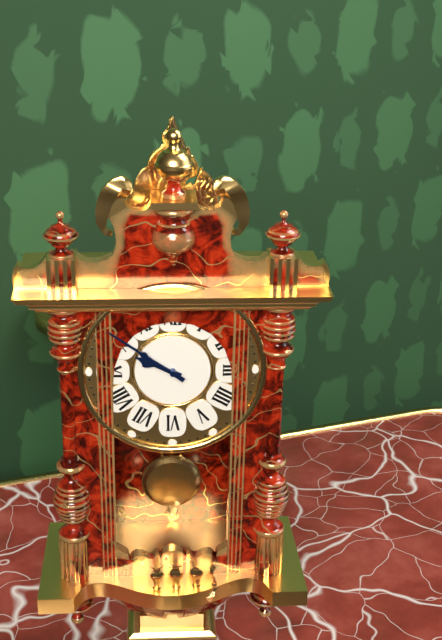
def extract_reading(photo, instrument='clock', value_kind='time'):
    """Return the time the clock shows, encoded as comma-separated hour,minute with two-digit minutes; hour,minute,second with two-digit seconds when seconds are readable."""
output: 9,51
